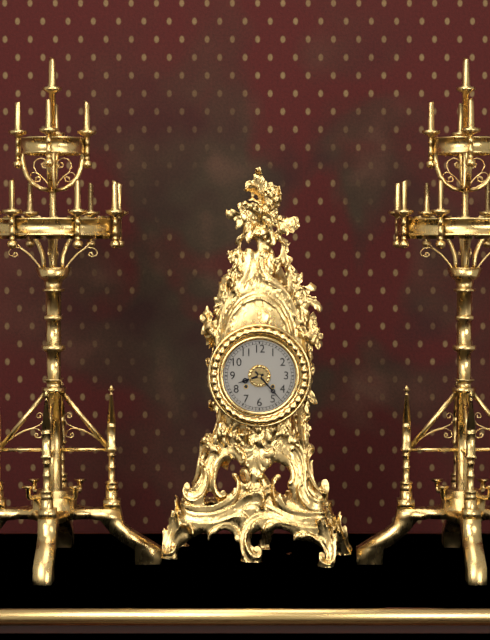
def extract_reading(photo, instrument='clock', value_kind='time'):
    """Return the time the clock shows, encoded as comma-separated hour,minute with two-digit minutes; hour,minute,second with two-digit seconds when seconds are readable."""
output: 8,23
